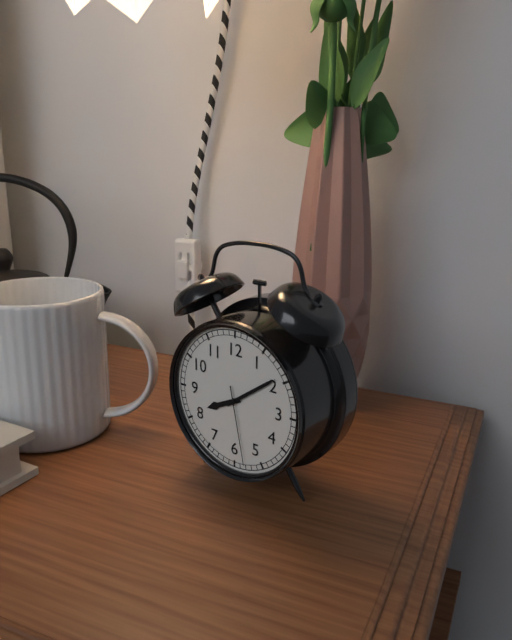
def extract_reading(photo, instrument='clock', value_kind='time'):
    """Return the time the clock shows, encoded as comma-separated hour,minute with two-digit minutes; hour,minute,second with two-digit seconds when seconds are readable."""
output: 8,09,28
